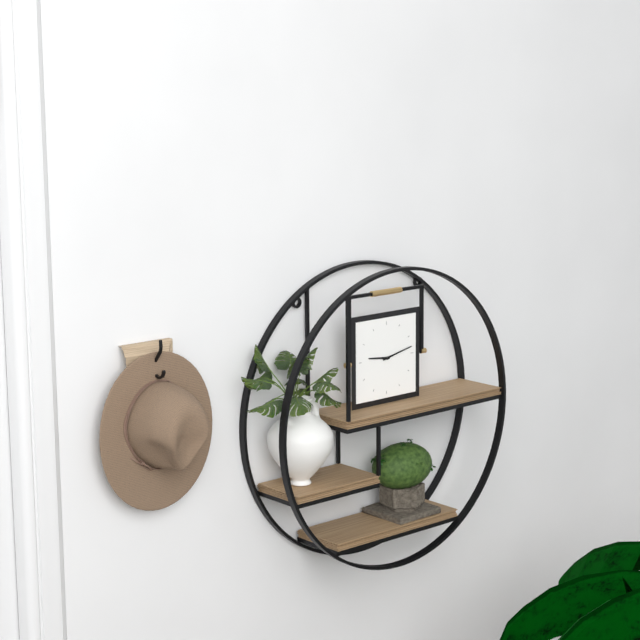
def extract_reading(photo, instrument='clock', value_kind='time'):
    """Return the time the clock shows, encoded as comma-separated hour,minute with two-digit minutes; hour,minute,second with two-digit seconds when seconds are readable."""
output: 9,13
